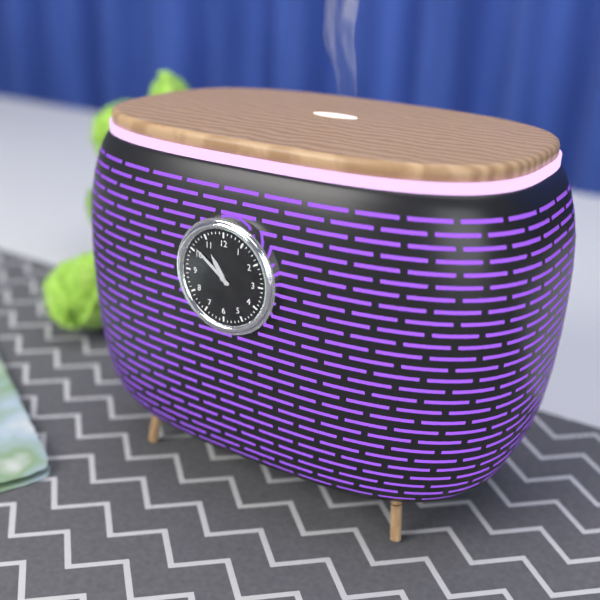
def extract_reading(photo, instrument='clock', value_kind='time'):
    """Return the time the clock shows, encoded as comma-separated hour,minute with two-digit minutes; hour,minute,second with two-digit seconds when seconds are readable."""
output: 10,51
